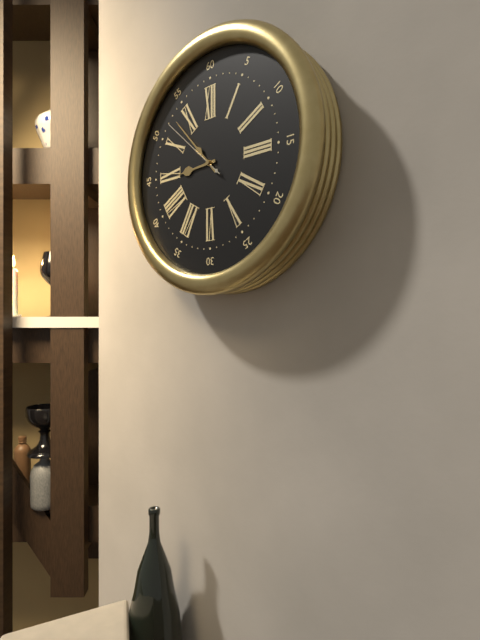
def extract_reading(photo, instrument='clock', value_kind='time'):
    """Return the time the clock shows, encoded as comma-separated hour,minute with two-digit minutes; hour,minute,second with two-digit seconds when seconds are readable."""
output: 8,53,52
